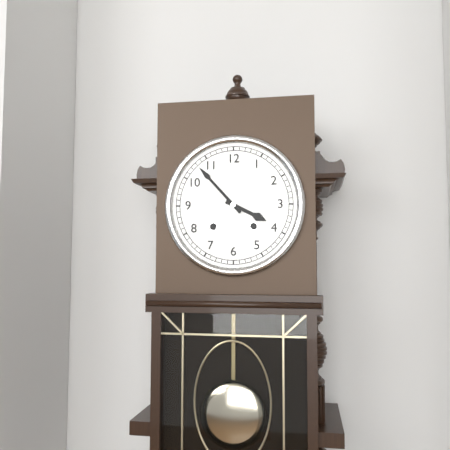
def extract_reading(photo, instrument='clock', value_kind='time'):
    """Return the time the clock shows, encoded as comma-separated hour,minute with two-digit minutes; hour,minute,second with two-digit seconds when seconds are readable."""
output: 3,53
